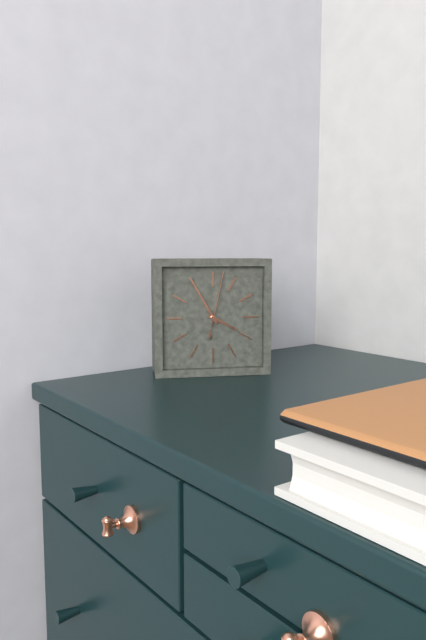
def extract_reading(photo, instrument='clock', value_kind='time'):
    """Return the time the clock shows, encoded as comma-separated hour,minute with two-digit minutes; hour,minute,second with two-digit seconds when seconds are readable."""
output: 3,55,02
